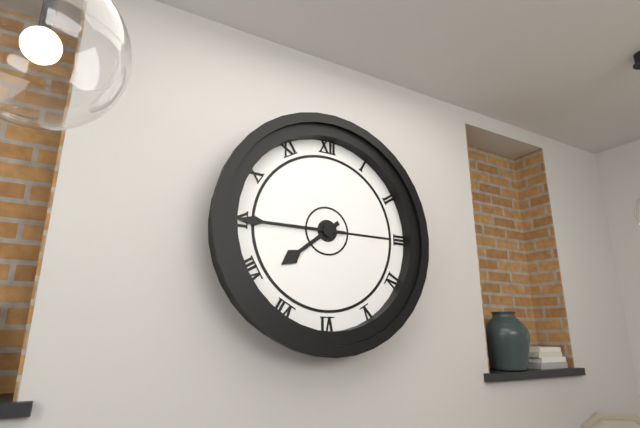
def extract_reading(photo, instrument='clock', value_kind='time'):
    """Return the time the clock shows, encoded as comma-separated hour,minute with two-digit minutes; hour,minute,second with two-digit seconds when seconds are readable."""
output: 7,45
